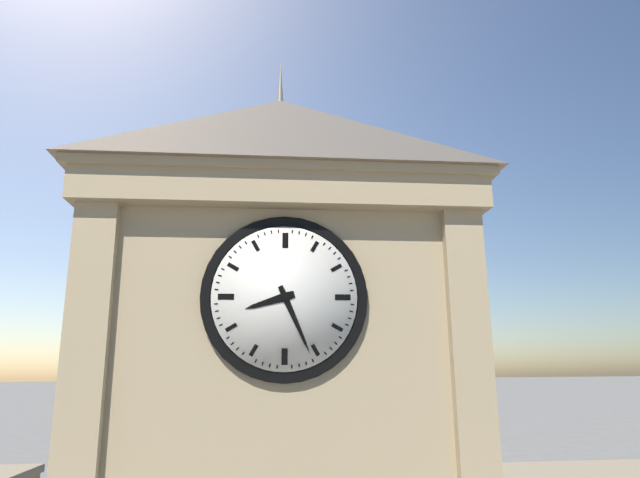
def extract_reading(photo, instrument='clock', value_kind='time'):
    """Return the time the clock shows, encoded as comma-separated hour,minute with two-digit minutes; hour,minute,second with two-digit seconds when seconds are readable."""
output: 8,26
